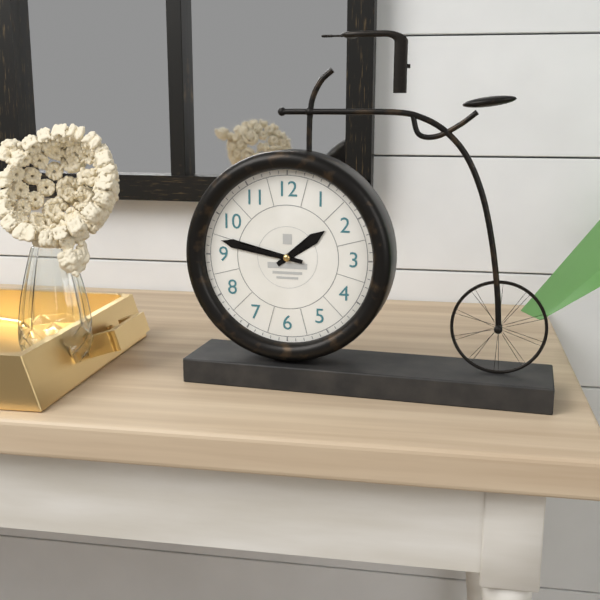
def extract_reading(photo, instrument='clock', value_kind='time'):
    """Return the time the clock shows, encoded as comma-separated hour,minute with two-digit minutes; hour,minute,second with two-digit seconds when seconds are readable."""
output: 1,47
